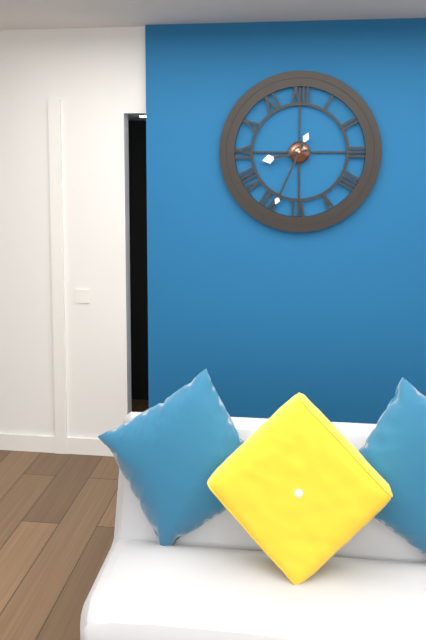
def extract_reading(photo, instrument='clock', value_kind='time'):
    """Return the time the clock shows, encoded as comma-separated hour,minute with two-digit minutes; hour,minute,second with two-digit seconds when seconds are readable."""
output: 8,34
